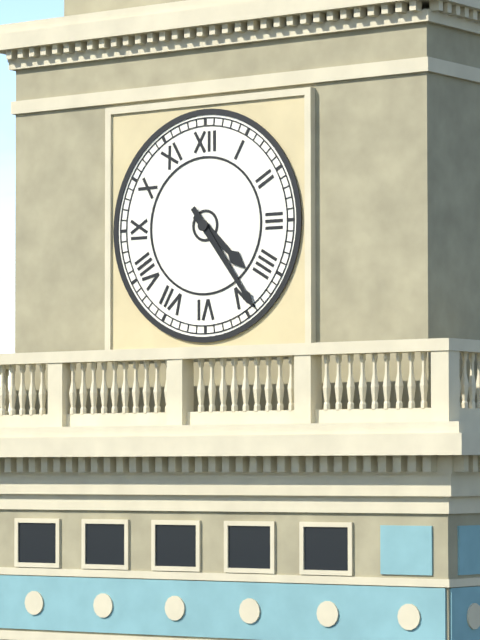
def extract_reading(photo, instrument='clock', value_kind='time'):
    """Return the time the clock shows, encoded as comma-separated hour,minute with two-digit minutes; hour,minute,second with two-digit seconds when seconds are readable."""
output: 4,24
